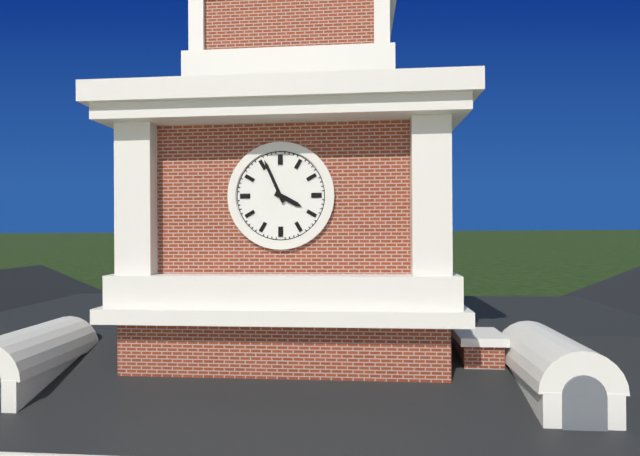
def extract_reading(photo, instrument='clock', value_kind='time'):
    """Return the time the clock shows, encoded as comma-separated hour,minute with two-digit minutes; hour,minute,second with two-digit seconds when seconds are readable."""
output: 3,56
